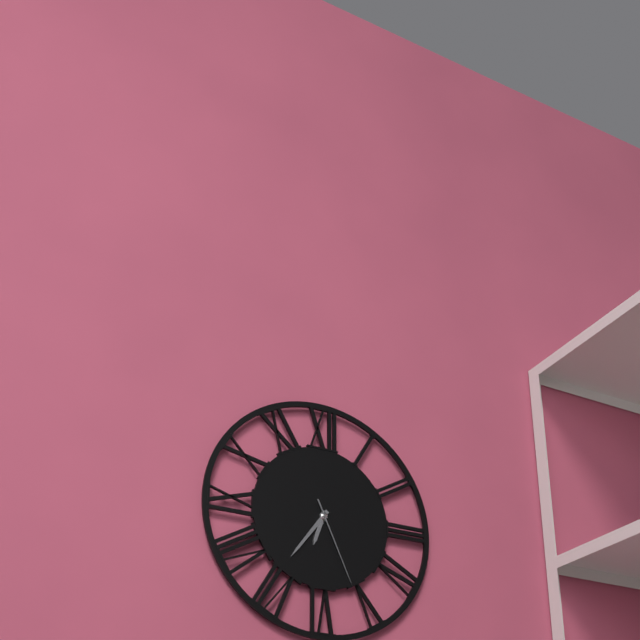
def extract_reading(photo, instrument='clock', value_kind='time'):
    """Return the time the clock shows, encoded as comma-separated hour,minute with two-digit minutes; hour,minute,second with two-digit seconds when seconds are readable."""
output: 6,36,26
